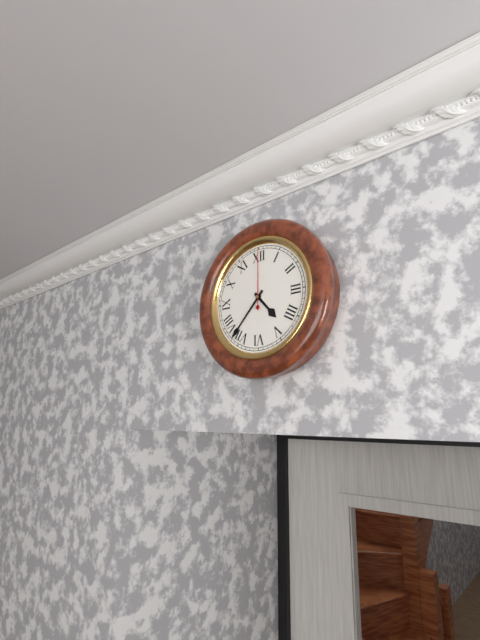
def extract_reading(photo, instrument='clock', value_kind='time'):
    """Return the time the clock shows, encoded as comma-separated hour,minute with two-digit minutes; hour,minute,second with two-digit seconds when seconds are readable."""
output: 4,37,00
